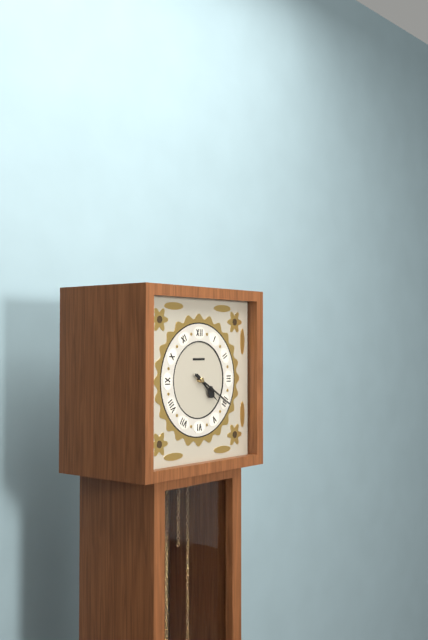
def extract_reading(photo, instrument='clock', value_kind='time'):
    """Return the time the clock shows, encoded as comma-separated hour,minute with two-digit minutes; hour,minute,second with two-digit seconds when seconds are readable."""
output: 4,20
